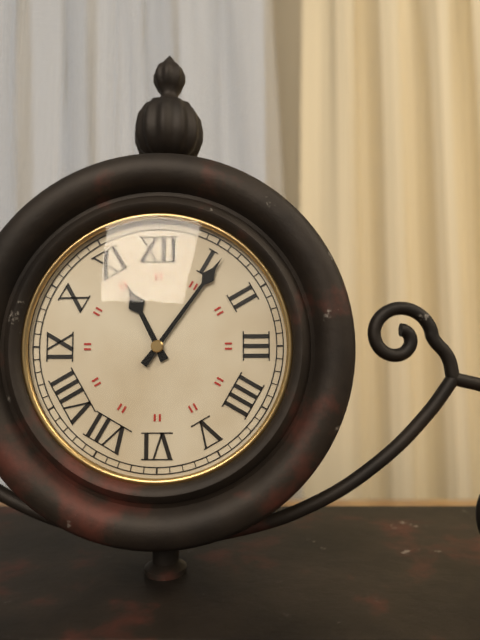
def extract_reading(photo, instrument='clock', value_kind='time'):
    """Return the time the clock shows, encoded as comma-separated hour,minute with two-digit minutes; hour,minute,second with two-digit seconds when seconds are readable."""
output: 11,06
